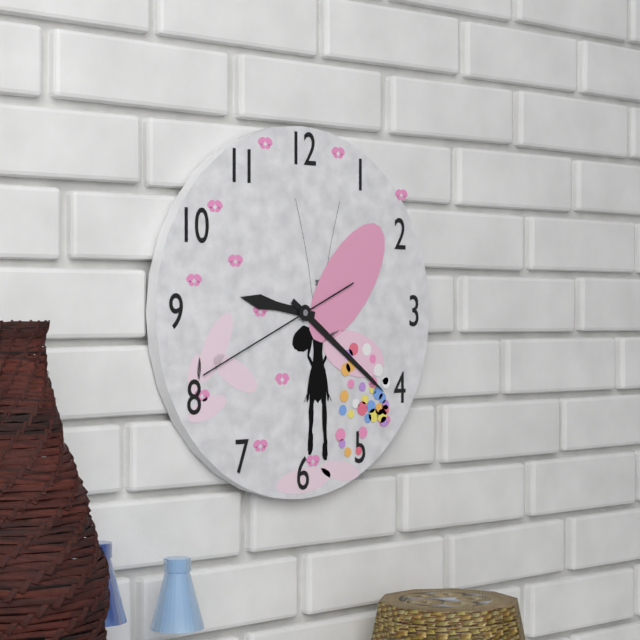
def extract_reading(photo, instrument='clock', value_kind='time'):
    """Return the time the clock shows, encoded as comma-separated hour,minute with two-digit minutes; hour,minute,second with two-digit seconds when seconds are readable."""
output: 9,21,41
